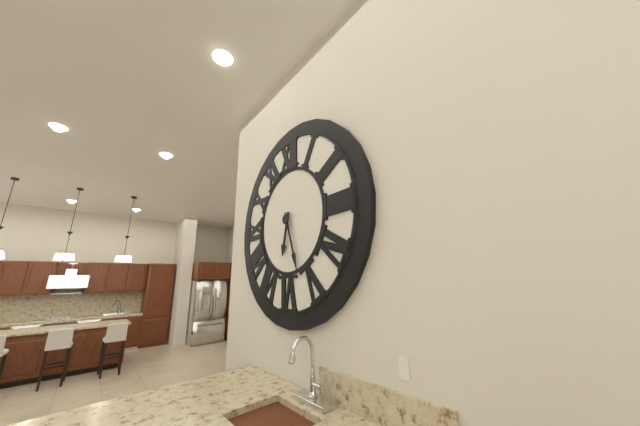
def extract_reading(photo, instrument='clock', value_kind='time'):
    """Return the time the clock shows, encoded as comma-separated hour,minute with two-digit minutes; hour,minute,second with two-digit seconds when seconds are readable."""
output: 6,27
